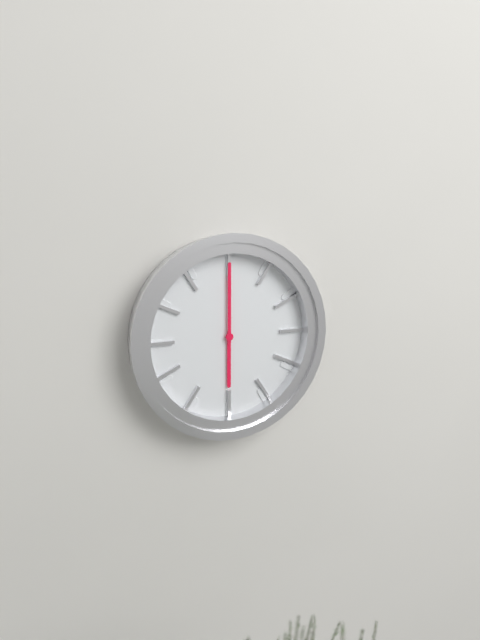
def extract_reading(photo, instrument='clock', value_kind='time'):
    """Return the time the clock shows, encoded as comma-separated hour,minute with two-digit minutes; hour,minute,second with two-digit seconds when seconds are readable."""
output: 6,00
